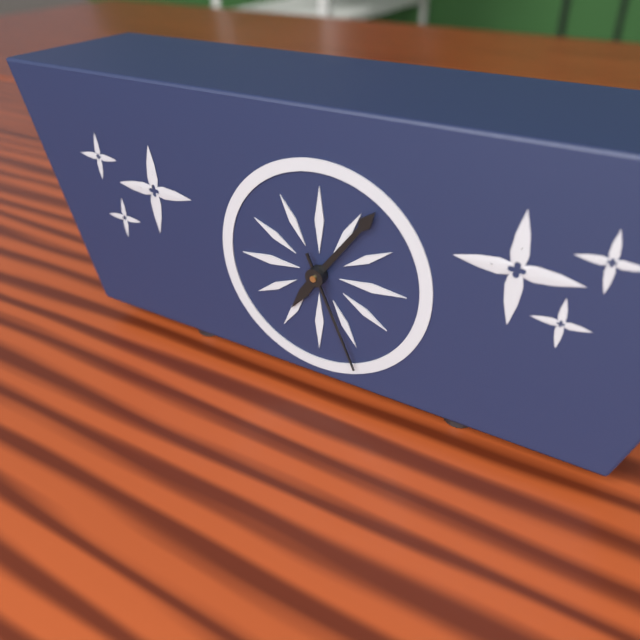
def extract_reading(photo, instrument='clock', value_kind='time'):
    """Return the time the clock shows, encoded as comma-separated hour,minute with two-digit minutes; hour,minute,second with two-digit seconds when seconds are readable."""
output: 7,06,26
